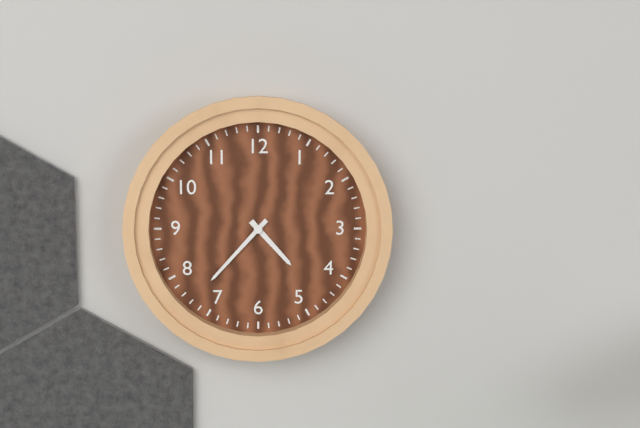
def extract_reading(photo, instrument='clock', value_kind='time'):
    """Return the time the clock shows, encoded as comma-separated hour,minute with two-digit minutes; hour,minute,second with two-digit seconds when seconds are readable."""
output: 4,37
